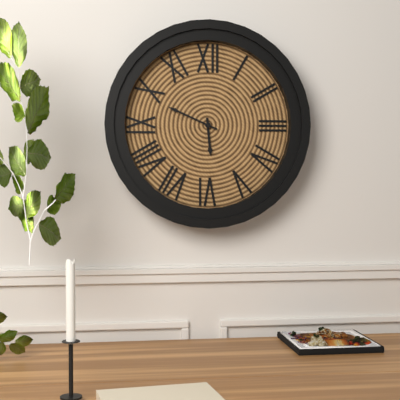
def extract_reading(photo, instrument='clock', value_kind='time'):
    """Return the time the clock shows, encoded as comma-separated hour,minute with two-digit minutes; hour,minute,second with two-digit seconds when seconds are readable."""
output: 5,49
